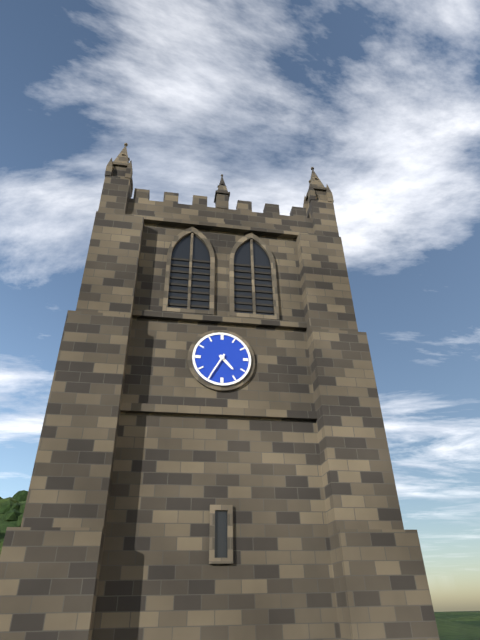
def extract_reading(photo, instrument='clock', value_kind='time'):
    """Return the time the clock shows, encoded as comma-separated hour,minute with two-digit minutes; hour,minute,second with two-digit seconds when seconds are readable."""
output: 4,35
